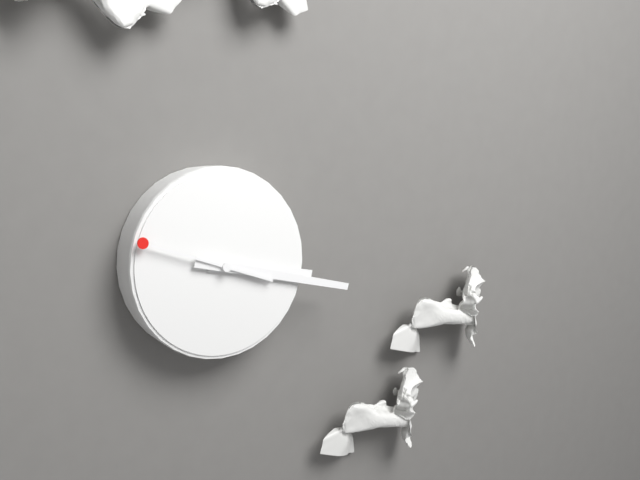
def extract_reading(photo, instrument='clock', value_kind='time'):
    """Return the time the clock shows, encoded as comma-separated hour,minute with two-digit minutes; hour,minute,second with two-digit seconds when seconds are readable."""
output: 3,17,48
